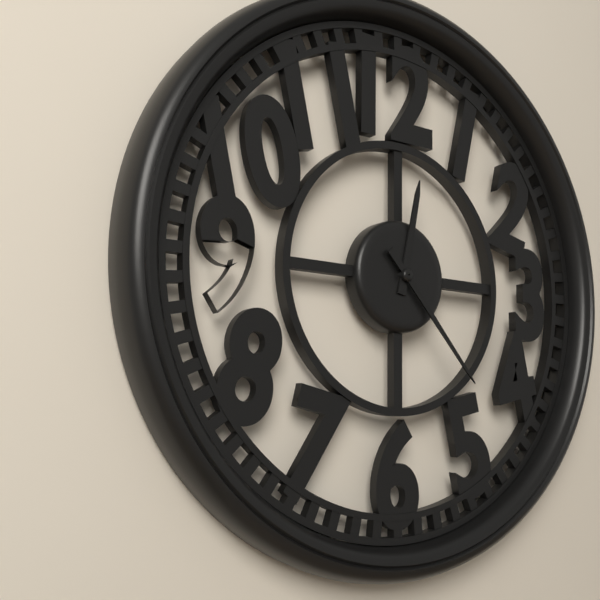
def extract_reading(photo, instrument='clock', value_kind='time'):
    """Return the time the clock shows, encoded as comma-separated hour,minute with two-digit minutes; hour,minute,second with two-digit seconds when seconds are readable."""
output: 12,23
